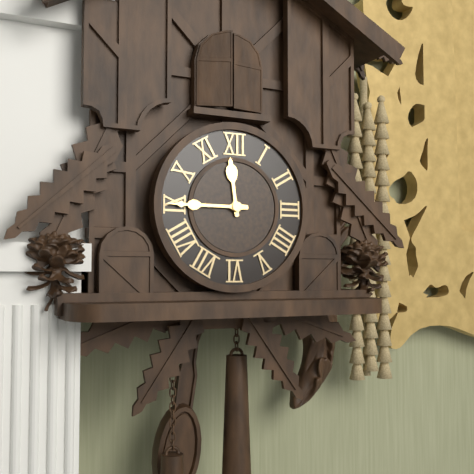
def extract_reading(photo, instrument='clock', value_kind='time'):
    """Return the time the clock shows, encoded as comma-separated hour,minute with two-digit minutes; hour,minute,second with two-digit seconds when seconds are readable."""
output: 11,45
